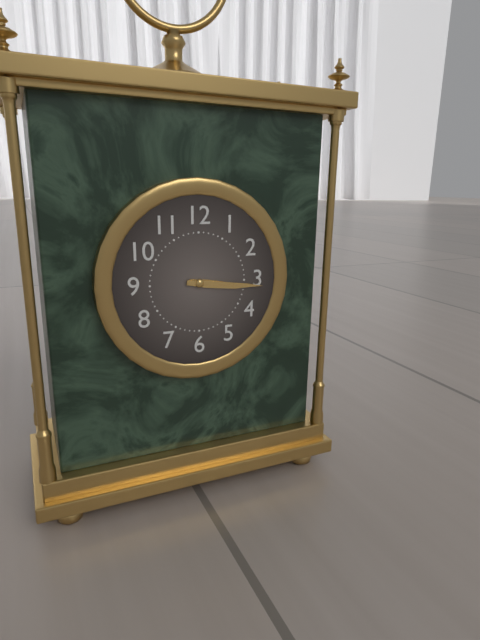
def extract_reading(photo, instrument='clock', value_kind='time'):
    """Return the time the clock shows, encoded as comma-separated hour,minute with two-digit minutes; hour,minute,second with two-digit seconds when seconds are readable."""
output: 3,16
